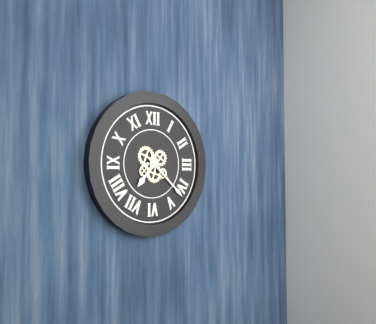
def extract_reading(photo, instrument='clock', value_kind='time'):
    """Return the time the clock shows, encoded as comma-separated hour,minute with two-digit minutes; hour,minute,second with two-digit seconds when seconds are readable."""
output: 7,22
